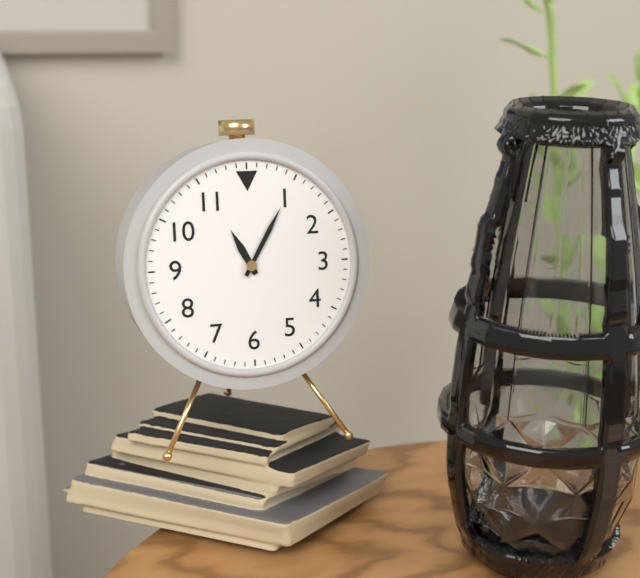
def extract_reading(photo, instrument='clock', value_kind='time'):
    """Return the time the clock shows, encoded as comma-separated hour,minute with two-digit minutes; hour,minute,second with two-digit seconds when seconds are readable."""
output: 11,05
